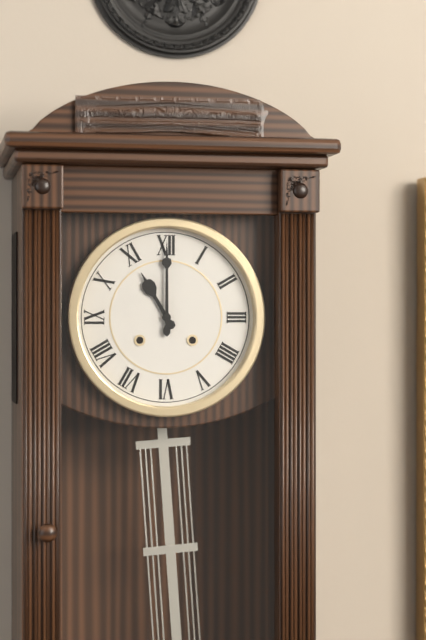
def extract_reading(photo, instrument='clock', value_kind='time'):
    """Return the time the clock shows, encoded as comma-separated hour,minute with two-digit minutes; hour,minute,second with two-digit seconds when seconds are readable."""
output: 11,00
